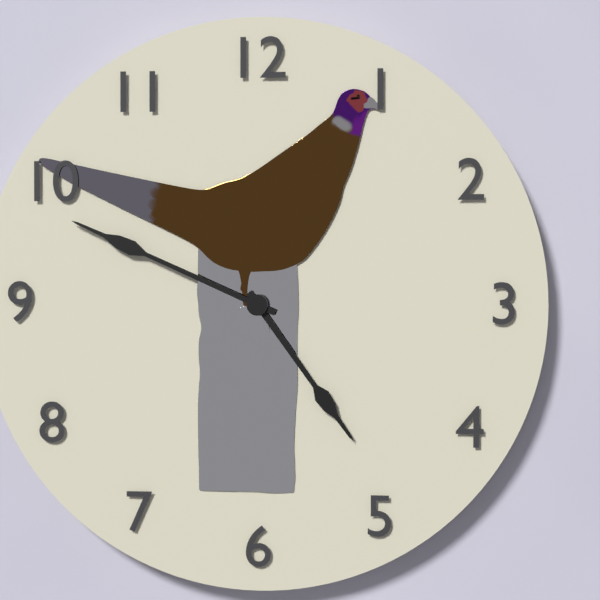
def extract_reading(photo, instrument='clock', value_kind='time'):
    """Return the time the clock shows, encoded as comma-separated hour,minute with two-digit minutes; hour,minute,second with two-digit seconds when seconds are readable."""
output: 4,49
